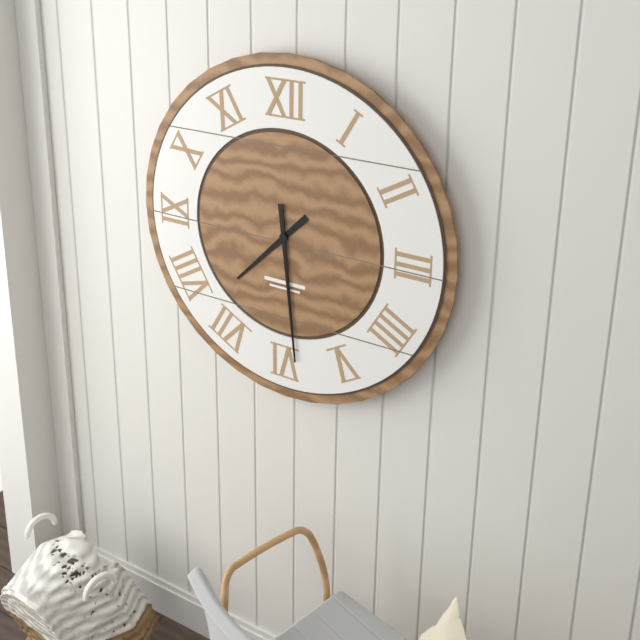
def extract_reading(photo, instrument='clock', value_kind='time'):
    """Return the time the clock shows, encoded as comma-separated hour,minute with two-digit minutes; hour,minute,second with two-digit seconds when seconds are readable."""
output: 7,29
